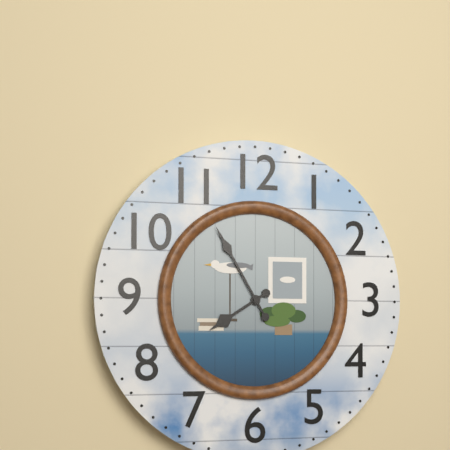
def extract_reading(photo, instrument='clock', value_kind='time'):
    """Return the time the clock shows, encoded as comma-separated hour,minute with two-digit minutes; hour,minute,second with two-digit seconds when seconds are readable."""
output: 7,55
